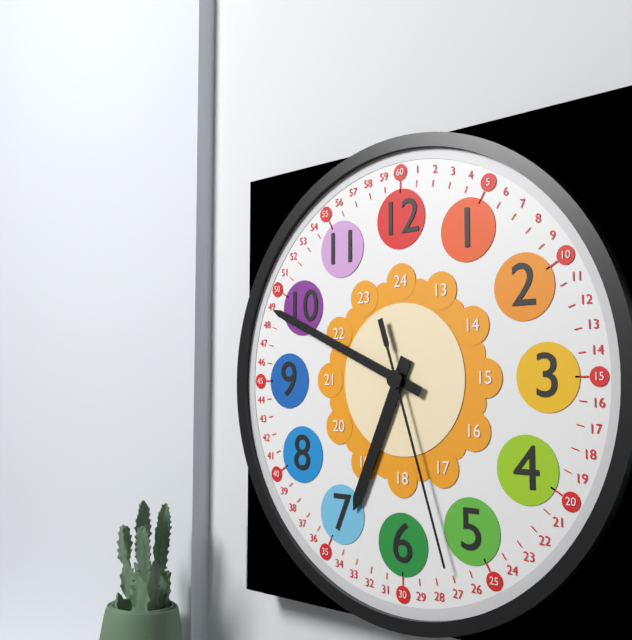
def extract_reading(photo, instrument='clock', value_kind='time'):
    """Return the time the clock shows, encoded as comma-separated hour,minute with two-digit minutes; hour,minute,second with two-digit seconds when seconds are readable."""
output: 6,49,27
